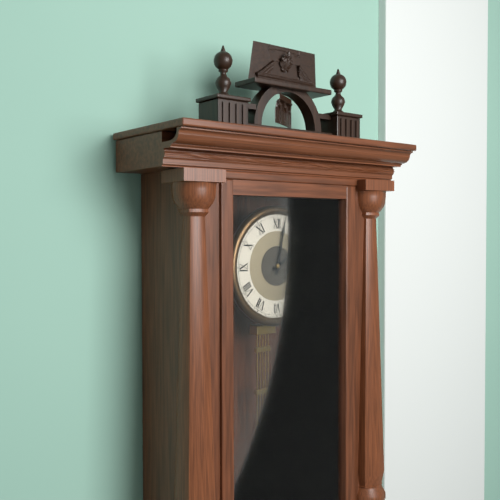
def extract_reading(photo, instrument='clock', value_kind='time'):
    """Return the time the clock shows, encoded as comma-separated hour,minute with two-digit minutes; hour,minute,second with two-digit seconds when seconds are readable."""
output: 2,02
